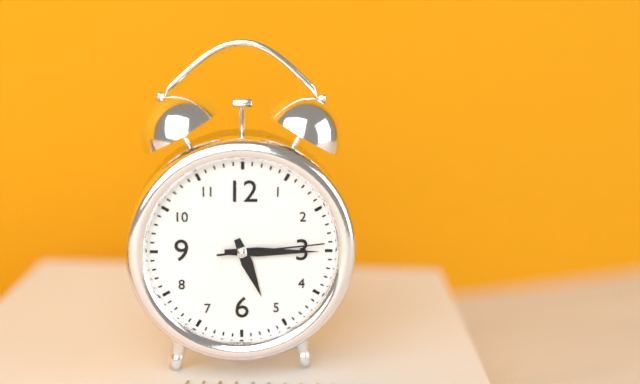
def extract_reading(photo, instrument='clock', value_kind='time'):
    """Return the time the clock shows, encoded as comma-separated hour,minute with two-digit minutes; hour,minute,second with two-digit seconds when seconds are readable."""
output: 5,15,14
